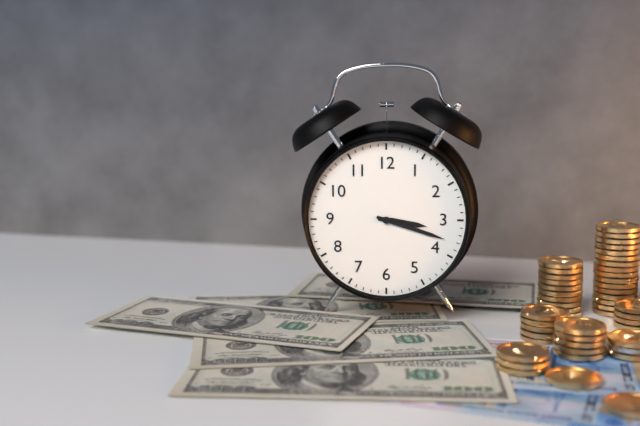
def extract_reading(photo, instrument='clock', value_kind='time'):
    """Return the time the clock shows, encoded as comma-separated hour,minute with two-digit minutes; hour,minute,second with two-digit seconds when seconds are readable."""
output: 3,18
